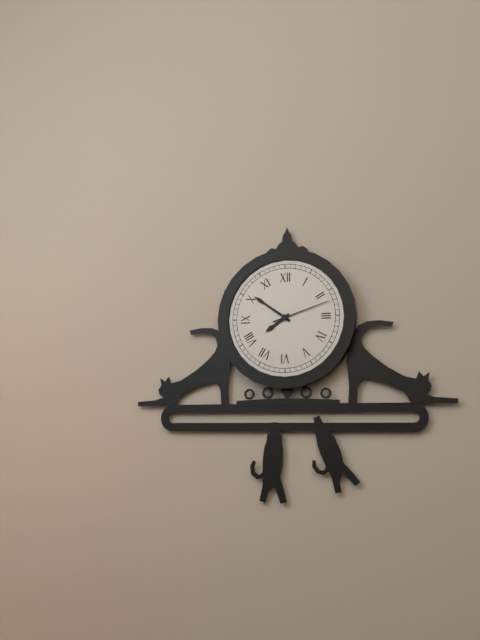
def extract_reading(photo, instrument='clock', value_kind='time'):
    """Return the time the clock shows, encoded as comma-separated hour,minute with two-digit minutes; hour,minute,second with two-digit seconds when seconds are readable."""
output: 7,51,12
